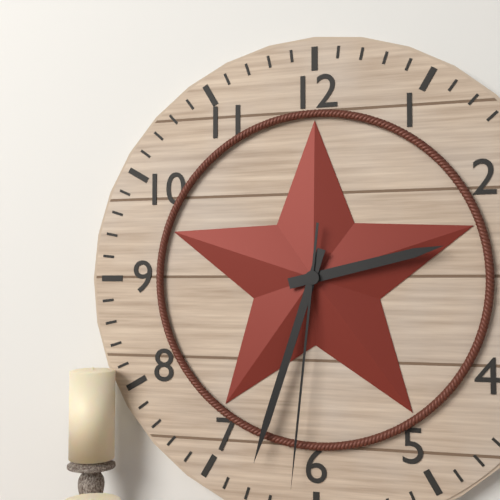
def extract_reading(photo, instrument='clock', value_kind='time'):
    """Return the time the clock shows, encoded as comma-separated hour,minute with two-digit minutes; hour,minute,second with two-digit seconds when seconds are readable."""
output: 2,33,31
